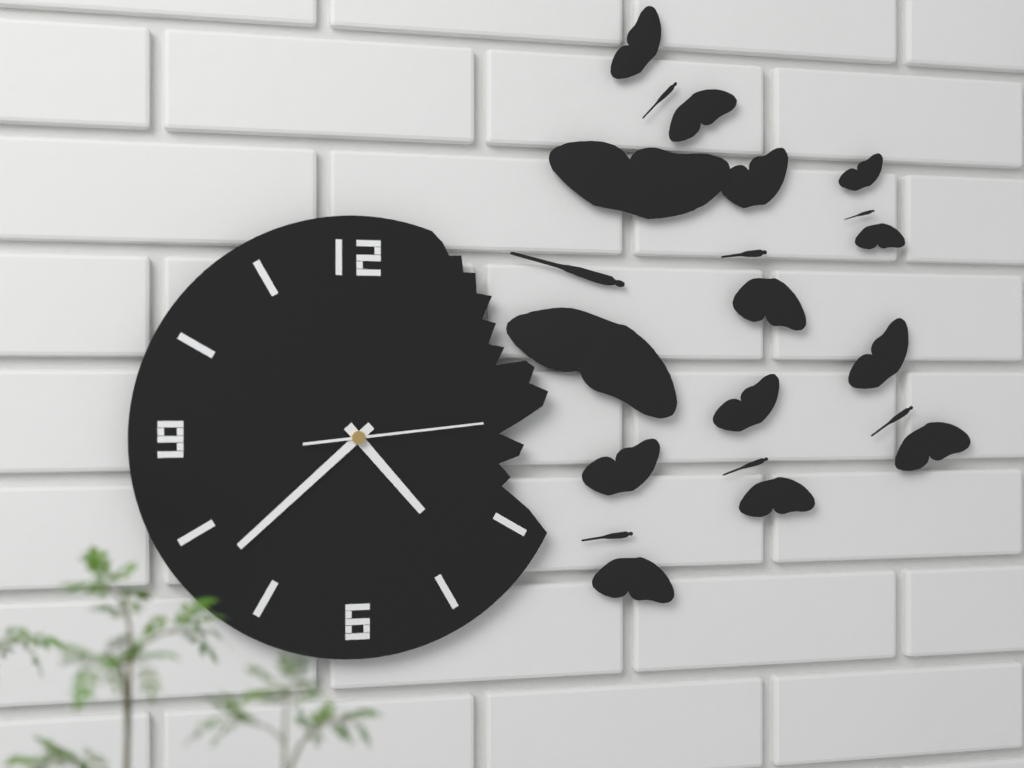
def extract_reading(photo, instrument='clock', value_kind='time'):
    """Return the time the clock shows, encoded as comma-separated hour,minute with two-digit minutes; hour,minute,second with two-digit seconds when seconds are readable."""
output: 4,38,14
